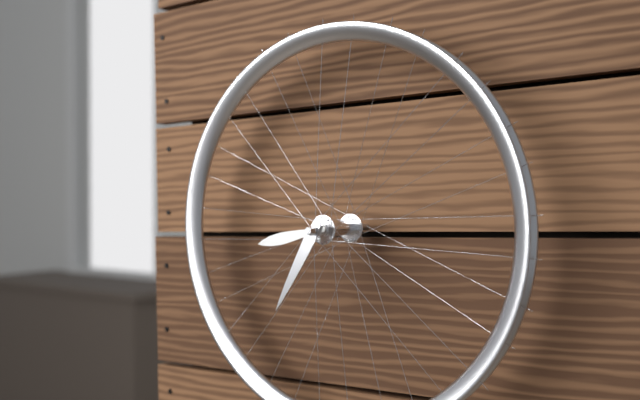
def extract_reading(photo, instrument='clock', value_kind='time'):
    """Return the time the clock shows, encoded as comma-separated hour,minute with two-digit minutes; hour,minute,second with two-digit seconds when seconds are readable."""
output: 8,35
